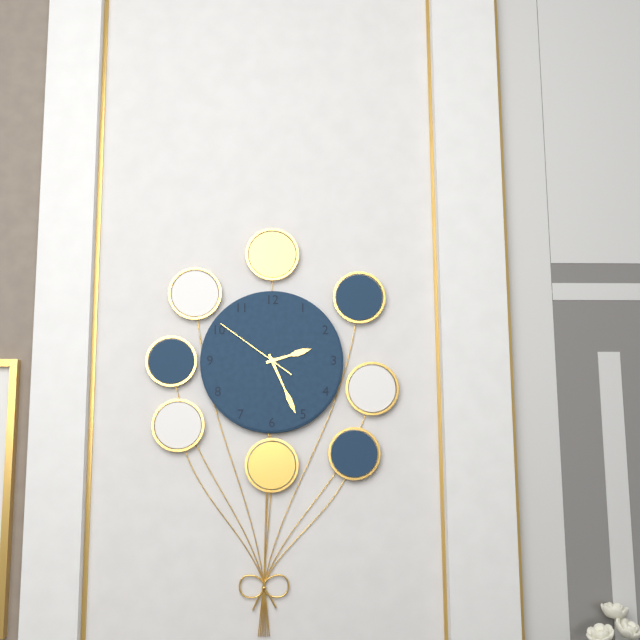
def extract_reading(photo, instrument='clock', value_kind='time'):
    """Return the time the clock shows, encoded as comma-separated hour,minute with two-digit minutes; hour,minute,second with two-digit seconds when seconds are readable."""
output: 2,26,51
